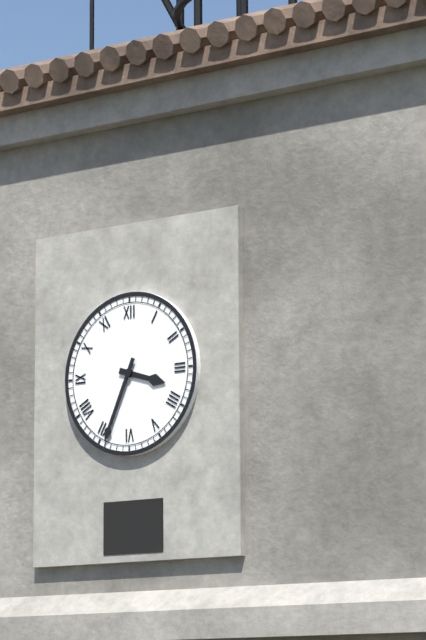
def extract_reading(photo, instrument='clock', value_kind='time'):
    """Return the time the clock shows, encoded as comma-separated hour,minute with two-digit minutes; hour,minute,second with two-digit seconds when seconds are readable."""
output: 3,34
